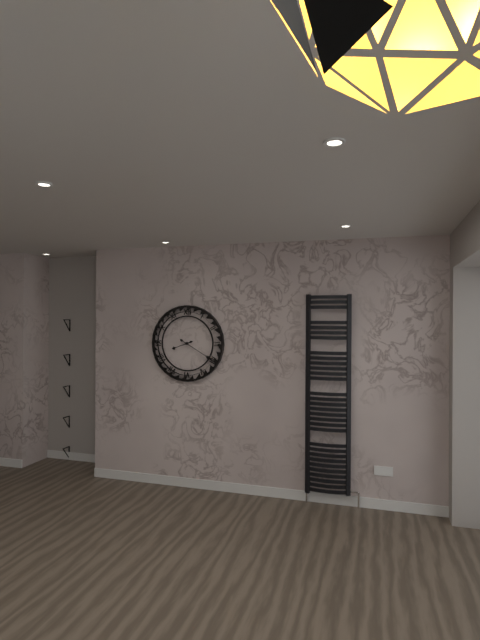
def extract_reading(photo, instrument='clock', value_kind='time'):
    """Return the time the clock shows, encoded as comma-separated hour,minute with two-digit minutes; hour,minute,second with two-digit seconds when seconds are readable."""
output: 8,20
